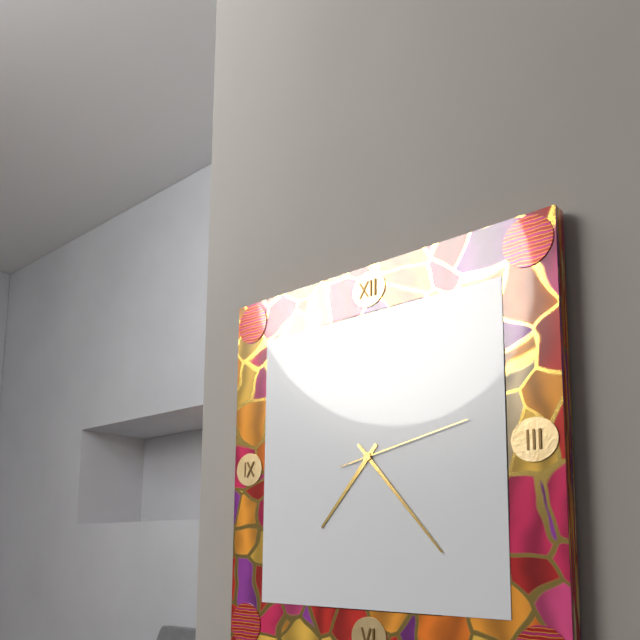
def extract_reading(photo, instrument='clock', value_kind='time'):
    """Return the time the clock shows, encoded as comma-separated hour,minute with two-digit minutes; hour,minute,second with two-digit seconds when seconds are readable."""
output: 7,23,13
